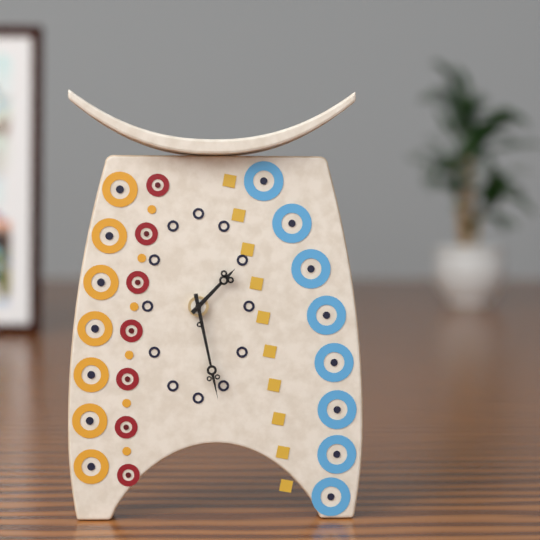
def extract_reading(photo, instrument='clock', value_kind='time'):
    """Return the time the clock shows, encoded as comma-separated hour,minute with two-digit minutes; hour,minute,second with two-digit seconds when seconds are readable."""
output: 1,28
